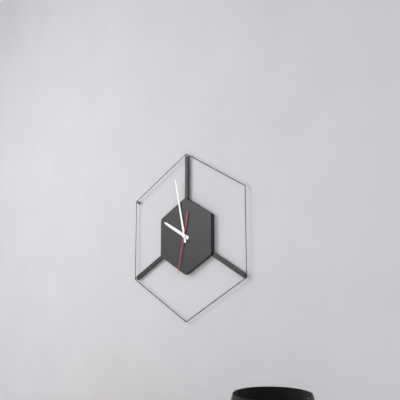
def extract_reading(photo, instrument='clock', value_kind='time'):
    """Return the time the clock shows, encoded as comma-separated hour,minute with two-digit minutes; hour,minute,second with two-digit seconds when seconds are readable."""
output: 9,58
